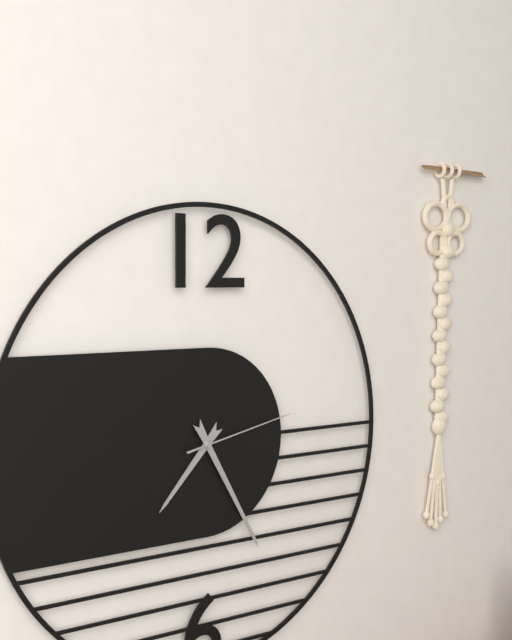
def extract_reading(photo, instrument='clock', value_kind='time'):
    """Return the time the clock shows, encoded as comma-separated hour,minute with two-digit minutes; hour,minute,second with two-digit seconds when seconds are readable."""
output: 7,25,13
